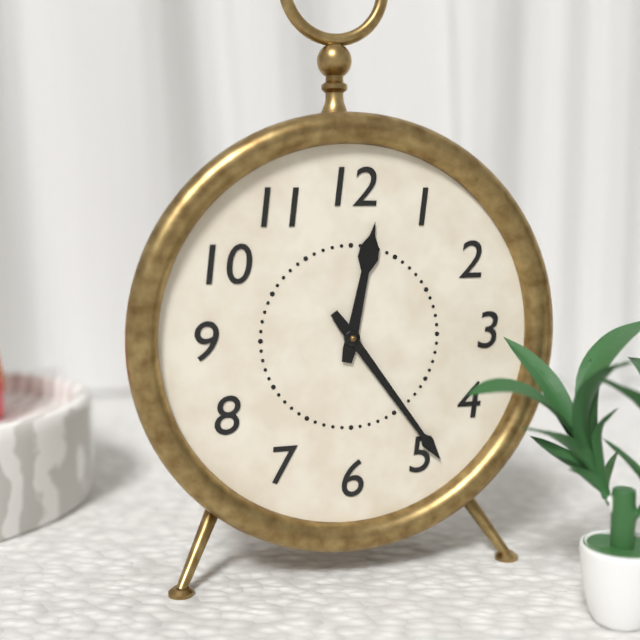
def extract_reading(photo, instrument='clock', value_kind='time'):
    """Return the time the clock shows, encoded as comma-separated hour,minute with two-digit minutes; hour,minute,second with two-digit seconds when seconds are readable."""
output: 12,24
